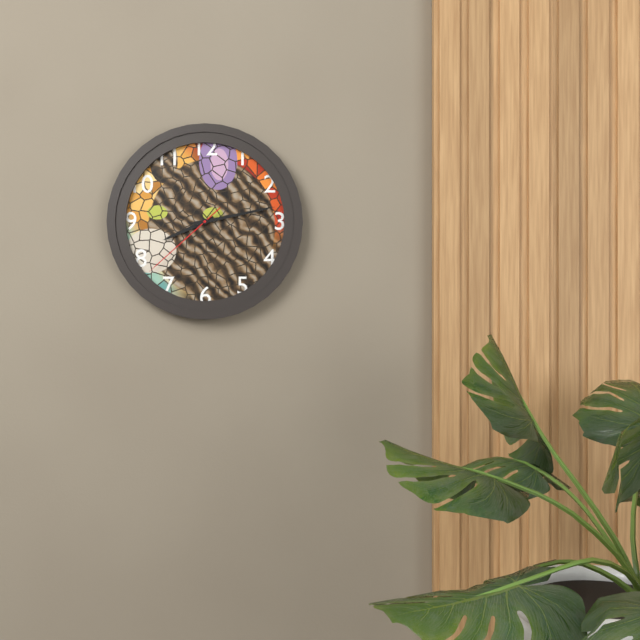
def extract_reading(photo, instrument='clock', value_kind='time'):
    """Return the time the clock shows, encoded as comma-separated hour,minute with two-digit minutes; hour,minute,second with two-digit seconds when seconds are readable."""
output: 8,13,38
